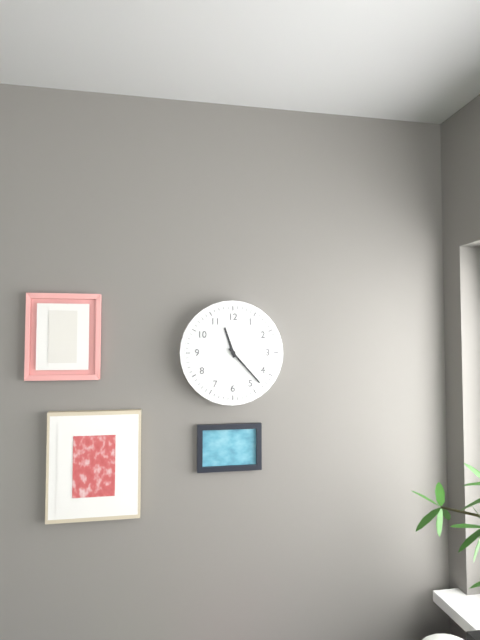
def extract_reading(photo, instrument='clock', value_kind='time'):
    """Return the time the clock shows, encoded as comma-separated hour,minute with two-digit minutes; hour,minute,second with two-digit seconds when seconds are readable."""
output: 11,23
